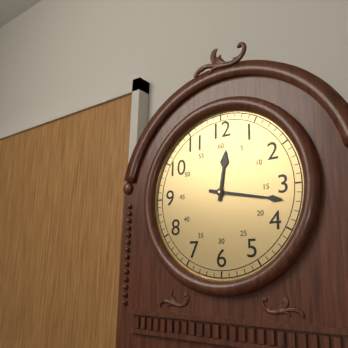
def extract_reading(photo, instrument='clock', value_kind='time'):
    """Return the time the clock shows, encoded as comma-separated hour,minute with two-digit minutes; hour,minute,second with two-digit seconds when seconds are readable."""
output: 12,17
